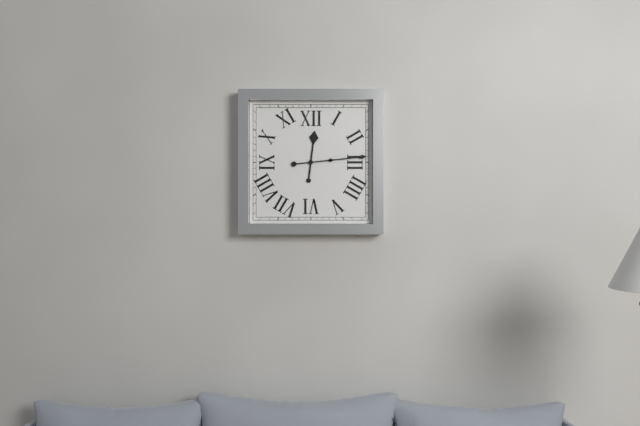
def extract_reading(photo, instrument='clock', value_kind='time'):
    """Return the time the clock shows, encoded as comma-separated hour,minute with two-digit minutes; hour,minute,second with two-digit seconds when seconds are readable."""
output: 12,14
